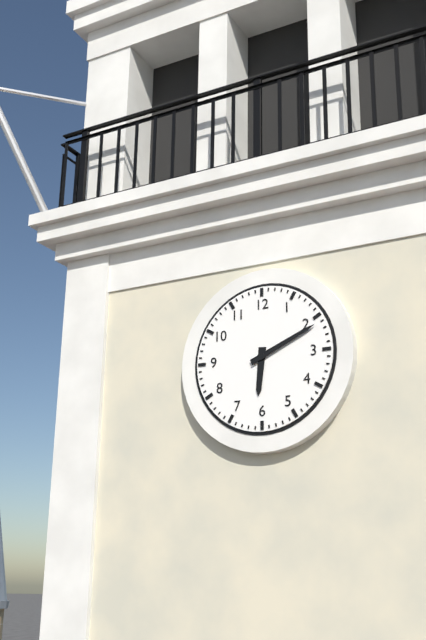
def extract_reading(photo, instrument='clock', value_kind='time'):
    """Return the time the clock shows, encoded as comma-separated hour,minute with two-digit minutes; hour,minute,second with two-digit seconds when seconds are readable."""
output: 6,11
